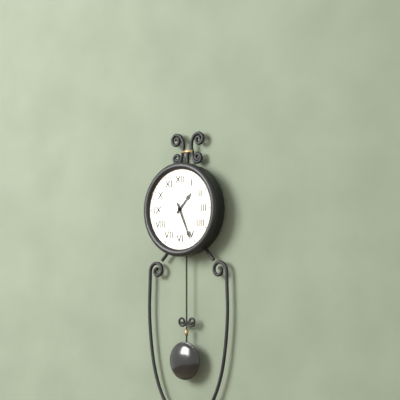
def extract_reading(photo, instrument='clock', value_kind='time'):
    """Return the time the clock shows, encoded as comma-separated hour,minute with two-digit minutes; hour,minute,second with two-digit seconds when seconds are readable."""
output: 1,26
